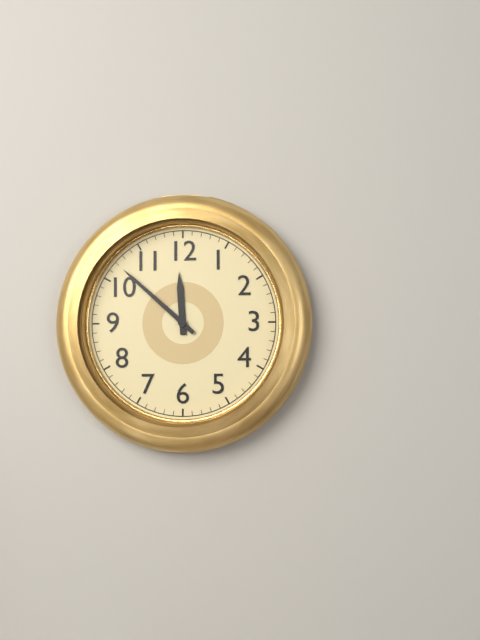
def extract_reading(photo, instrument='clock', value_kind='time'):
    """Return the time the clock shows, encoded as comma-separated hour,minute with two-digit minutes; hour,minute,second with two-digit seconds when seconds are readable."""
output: 11,52
